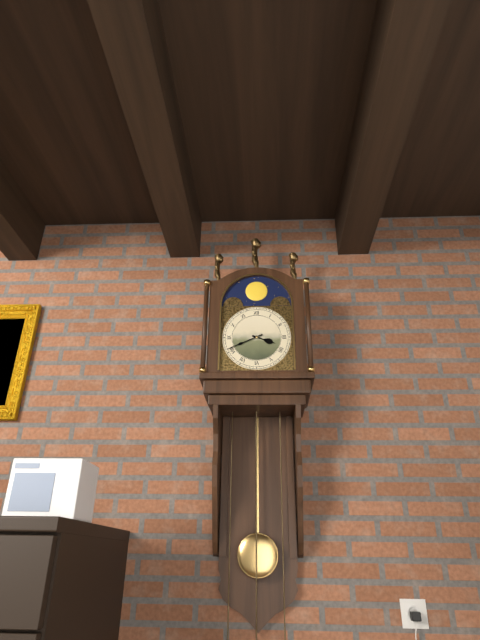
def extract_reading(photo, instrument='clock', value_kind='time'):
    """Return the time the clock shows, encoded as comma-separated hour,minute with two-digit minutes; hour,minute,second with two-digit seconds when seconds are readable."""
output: 3,41
